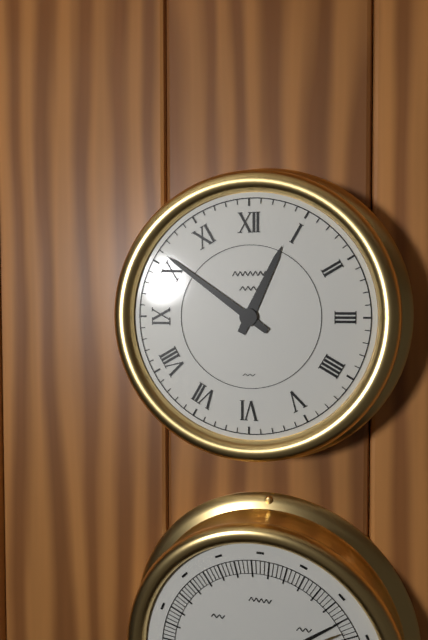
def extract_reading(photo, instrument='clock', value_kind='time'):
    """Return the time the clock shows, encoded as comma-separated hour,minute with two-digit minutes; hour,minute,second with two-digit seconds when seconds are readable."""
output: 12,51
